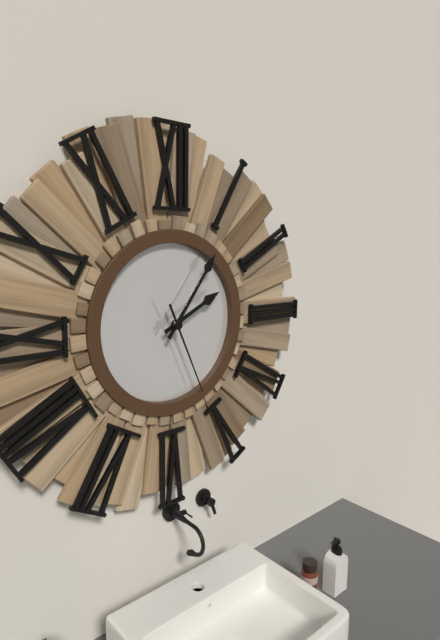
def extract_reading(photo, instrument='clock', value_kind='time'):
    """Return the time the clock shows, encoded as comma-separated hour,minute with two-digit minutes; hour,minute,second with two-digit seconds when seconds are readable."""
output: 2,06,26
